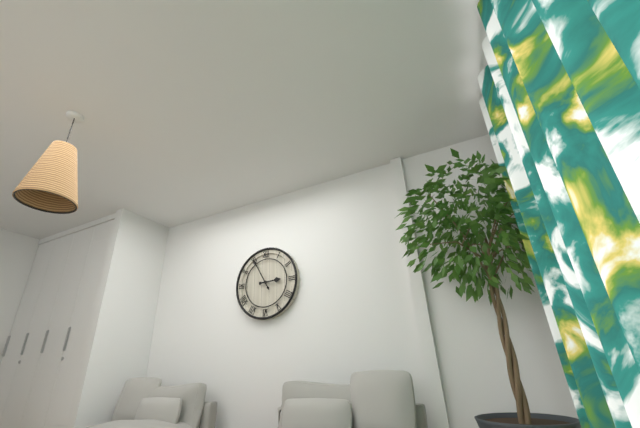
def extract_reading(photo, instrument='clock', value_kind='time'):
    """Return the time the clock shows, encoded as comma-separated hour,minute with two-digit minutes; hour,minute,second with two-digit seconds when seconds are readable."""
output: 2,55
